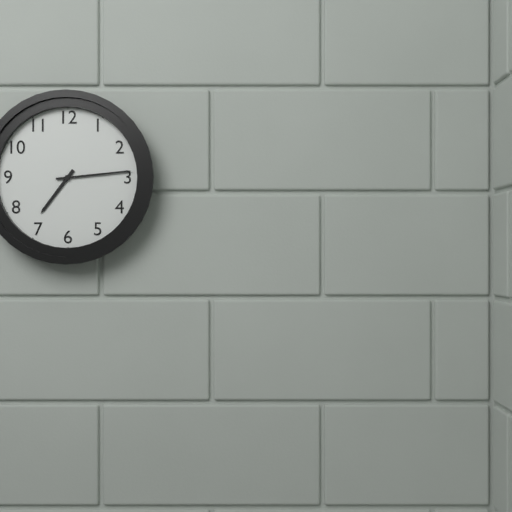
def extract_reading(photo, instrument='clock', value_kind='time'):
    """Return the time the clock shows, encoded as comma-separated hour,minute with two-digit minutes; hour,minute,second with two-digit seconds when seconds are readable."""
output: 7,14
